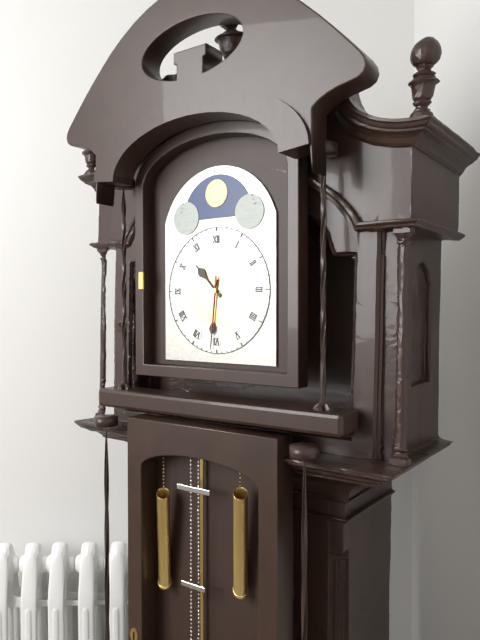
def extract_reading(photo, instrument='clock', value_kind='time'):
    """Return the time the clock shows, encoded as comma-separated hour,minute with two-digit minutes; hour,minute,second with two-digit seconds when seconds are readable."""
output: 10,31,31
